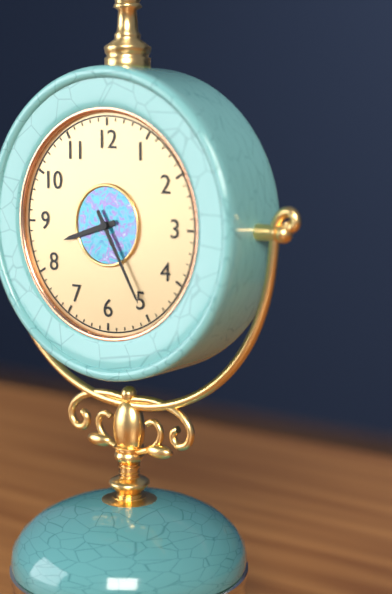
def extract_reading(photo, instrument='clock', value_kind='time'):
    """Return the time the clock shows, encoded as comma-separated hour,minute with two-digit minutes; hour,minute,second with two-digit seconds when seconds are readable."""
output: 8,25
